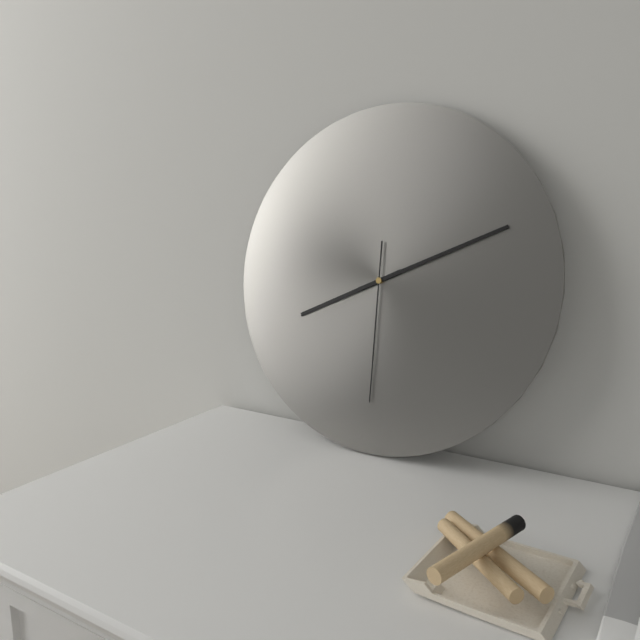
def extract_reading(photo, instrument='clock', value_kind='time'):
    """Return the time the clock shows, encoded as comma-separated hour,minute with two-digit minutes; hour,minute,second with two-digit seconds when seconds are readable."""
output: 8,11,30
